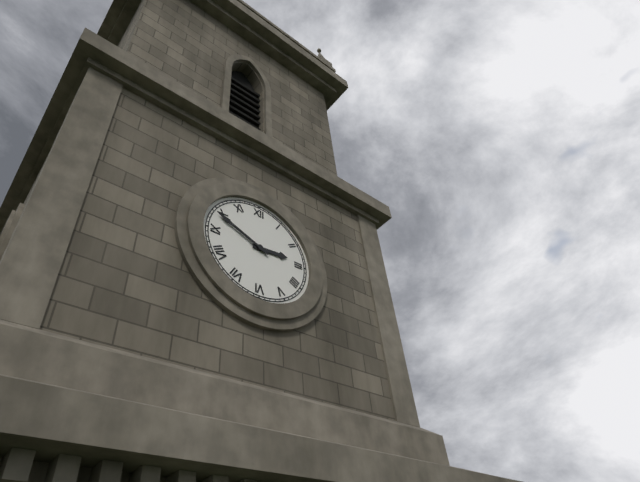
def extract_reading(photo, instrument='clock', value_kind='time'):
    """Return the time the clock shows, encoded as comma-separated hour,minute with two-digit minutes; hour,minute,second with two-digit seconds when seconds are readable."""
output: 2,49
